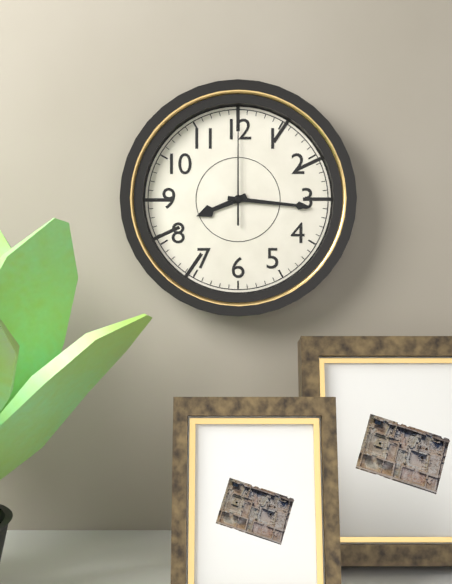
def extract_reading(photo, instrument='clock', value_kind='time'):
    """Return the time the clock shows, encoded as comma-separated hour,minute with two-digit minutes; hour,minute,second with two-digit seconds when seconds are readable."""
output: 8,16,00
